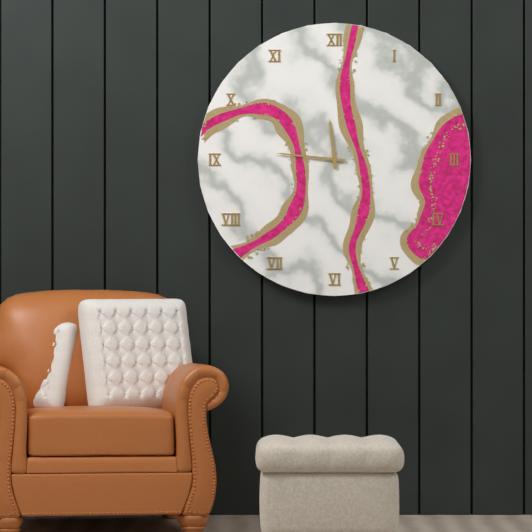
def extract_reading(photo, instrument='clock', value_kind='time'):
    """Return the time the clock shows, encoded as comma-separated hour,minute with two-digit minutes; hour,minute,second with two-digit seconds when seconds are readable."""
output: 11,46
